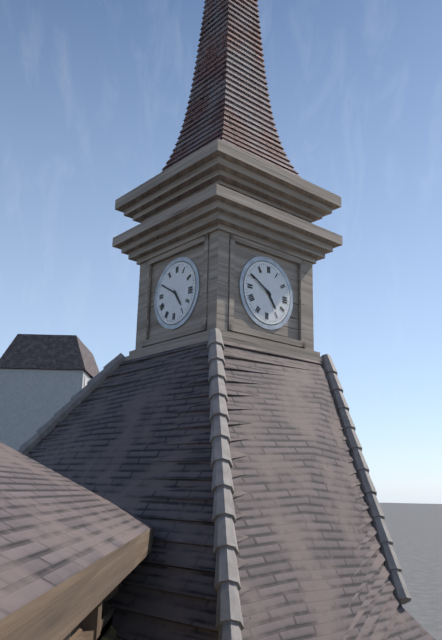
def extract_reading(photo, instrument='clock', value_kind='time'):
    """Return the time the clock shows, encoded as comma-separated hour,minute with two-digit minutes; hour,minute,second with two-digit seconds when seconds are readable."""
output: 4,50
